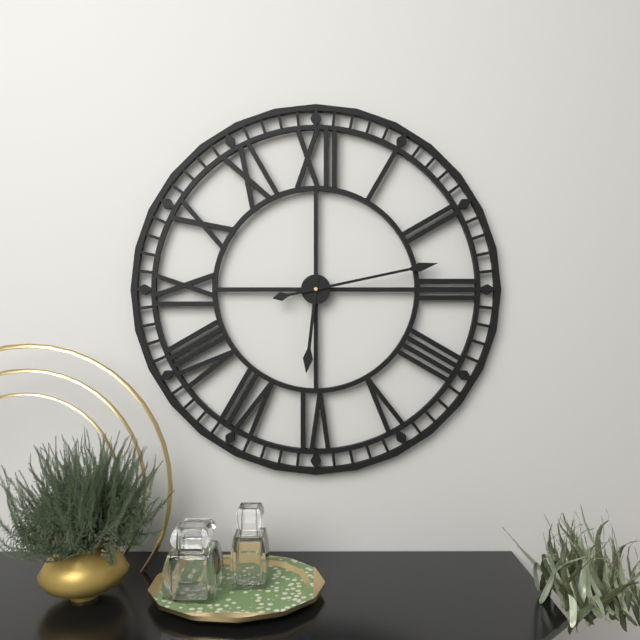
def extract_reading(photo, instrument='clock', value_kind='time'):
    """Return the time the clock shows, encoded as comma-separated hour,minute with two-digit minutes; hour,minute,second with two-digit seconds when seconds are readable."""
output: 6,13
